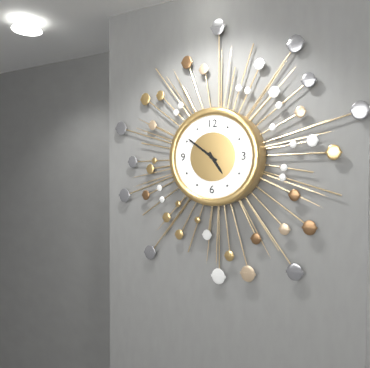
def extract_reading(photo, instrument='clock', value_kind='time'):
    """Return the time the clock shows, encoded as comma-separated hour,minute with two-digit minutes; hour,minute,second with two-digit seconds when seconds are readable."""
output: 4,51
